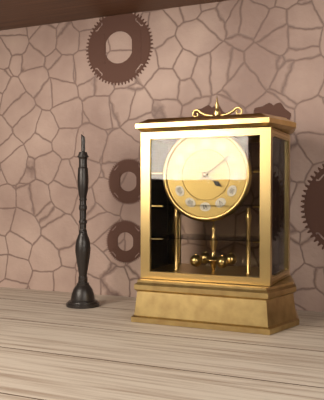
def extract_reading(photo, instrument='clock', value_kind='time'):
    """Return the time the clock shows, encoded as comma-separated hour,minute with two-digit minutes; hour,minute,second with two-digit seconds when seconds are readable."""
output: 4,09
